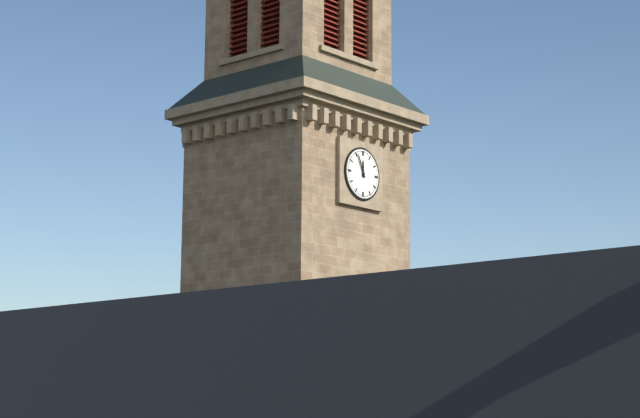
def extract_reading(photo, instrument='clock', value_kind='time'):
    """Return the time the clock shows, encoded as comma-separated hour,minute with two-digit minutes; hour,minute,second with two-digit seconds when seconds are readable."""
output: 11,56
